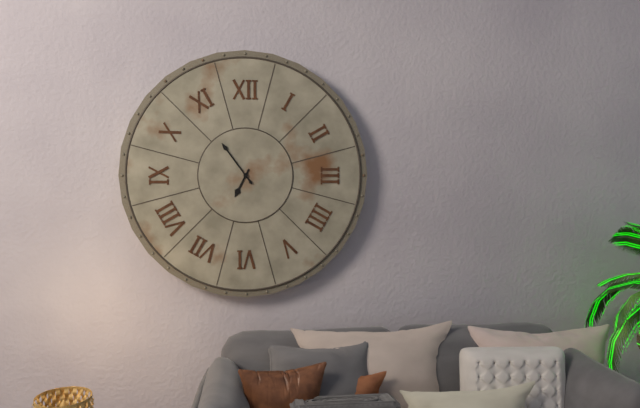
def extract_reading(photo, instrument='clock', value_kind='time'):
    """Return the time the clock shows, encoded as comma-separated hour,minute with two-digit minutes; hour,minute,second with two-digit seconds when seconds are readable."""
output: 6,54
